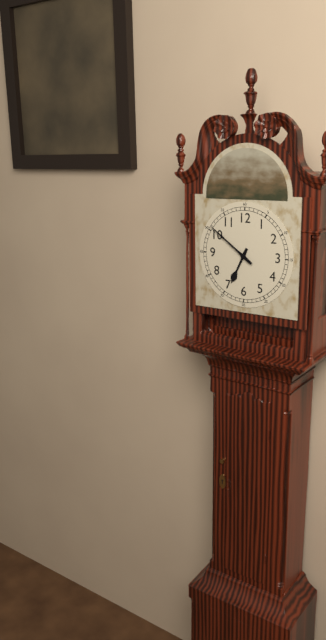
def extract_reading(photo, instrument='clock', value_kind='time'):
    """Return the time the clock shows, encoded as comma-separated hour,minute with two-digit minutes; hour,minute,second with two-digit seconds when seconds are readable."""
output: 6,51
